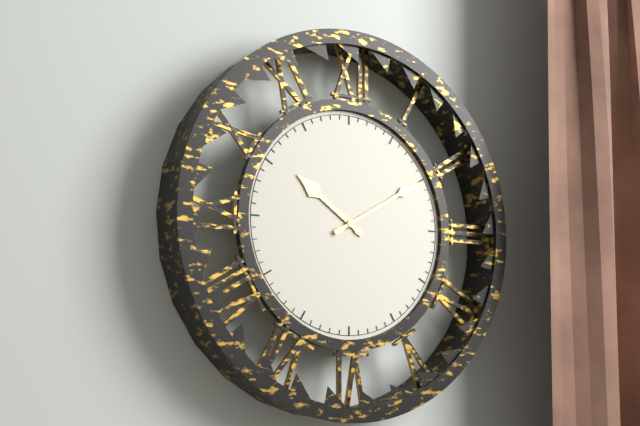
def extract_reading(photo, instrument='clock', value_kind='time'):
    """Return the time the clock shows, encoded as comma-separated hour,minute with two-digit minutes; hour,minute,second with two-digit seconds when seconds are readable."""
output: 10,10
